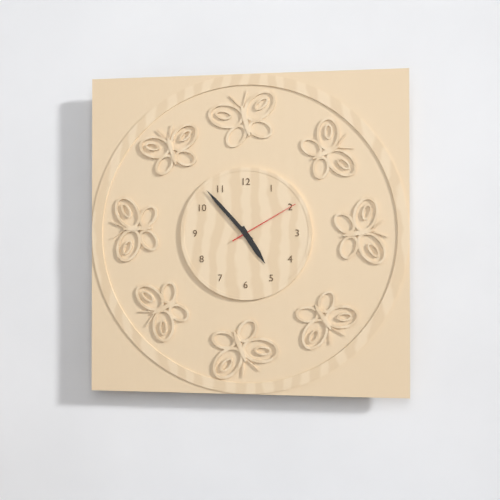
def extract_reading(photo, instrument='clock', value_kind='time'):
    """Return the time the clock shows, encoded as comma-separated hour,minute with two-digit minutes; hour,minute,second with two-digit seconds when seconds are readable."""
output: 4,53,10
